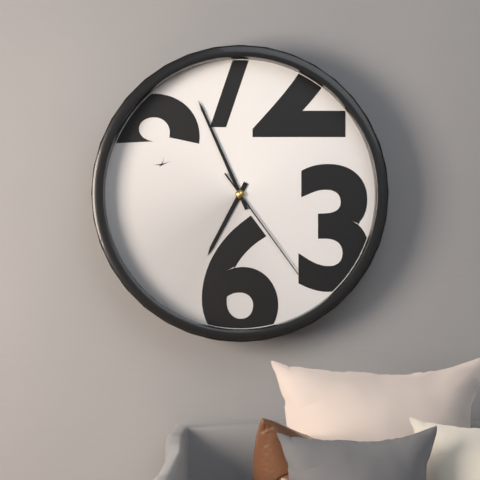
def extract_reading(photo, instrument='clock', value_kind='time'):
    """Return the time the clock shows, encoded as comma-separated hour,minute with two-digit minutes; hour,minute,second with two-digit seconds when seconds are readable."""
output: 6,56,24
